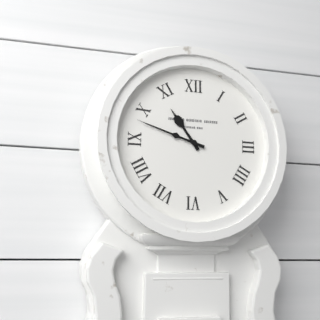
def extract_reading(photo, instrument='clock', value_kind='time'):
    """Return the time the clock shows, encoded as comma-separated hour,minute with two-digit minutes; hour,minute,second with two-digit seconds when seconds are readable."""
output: 10,48
